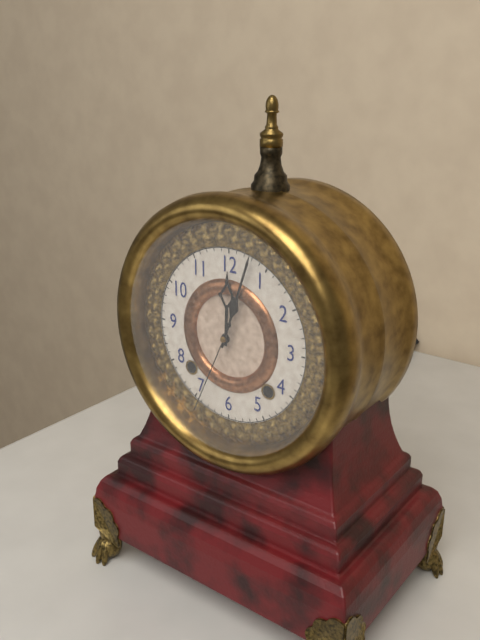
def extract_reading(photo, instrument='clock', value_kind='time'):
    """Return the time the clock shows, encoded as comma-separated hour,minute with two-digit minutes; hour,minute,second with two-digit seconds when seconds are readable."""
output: 12,03,34
